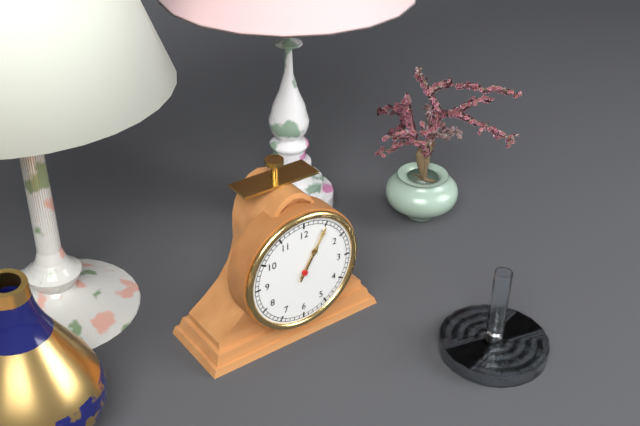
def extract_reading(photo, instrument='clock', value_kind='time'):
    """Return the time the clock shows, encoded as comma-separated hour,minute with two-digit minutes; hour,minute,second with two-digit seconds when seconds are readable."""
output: 1,05
